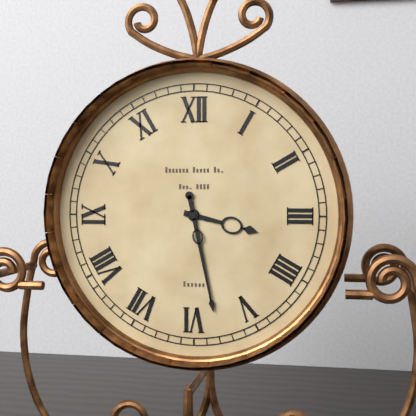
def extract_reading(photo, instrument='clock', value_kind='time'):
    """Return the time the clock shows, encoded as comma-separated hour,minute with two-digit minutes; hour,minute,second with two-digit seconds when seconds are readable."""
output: 3,28
